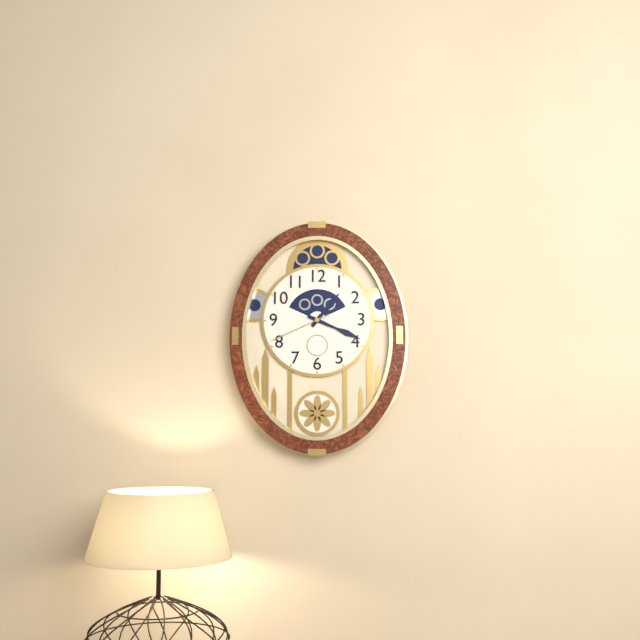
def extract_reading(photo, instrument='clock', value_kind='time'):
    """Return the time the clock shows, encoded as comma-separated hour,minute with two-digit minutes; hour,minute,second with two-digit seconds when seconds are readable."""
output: 1,19,41
